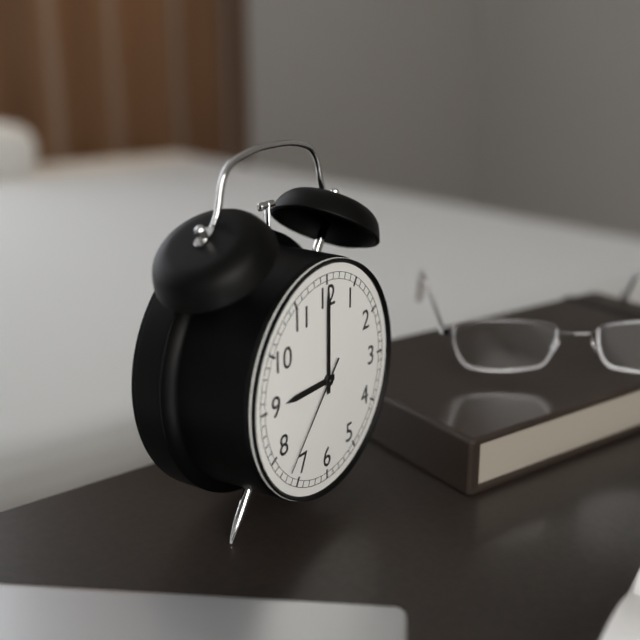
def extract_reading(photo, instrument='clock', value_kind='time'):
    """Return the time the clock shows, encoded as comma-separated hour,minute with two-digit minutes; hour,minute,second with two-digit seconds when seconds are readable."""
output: 9,00,37
